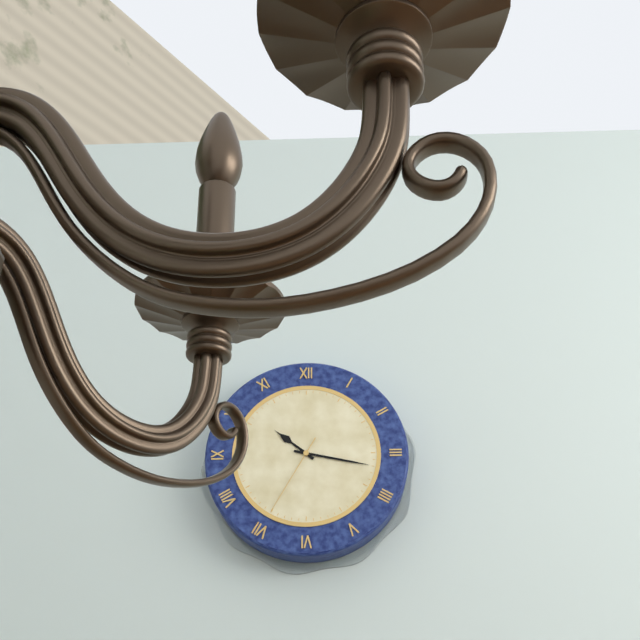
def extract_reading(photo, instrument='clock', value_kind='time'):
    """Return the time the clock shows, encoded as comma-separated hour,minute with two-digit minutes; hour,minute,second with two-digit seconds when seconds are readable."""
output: 10,17,35
